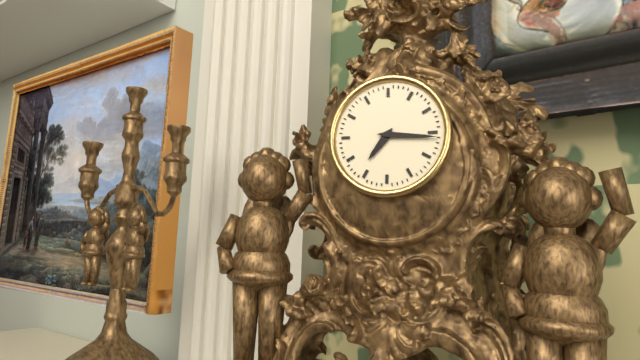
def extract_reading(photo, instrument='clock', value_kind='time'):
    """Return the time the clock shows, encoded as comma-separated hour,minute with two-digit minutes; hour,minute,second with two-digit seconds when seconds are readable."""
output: 7,16
